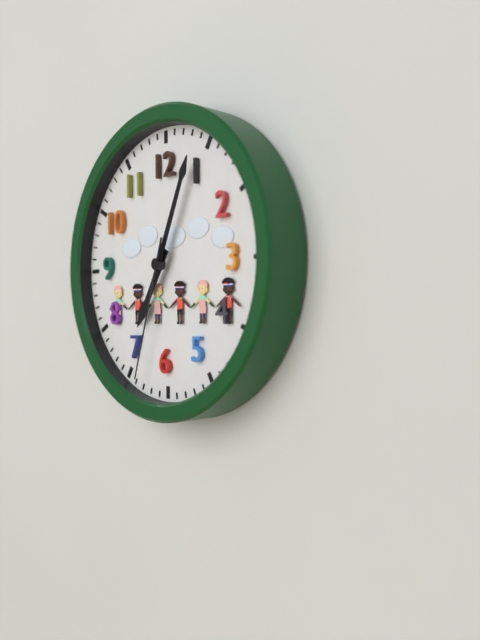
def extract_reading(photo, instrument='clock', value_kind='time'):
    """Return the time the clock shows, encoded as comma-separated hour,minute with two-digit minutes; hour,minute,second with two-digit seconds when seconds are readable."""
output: 7,04,33
